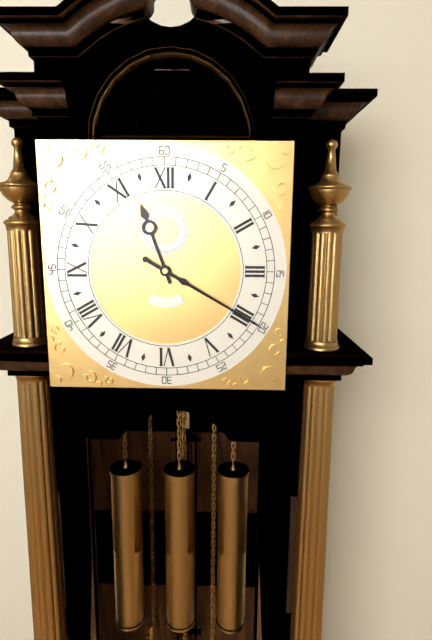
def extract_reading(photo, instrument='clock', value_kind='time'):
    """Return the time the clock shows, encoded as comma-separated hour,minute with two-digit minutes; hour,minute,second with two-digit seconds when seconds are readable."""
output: 11,20
